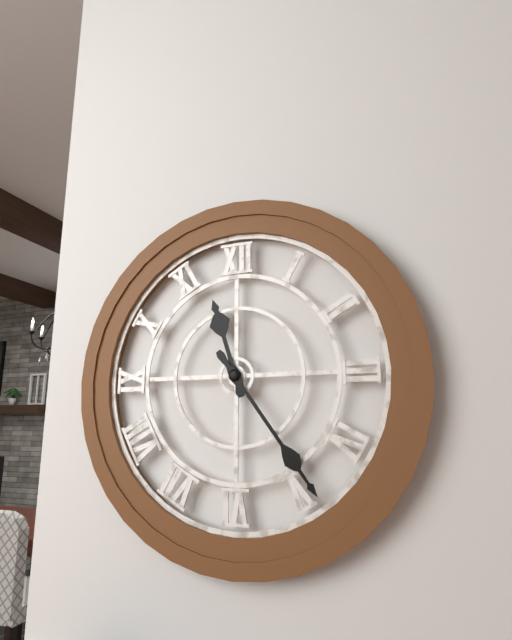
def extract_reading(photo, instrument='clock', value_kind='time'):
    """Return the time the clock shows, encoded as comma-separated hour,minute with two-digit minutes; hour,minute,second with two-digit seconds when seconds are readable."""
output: 11,24
